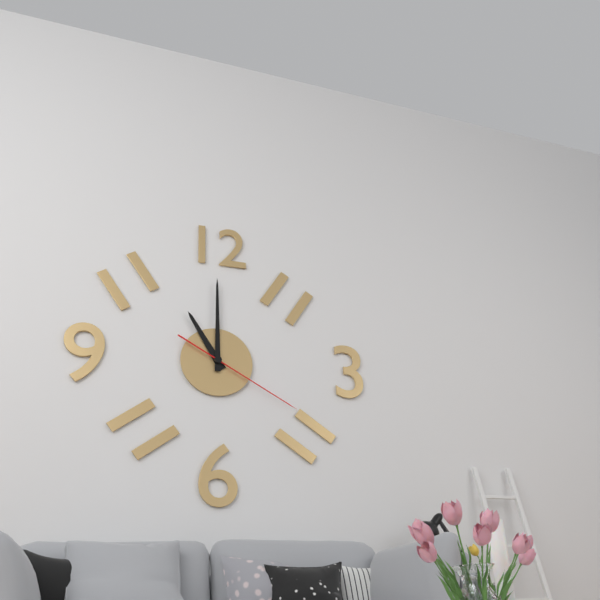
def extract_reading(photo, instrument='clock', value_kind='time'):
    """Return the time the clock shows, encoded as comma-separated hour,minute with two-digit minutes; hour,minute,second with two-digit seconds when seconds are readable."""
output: 11,00,20
